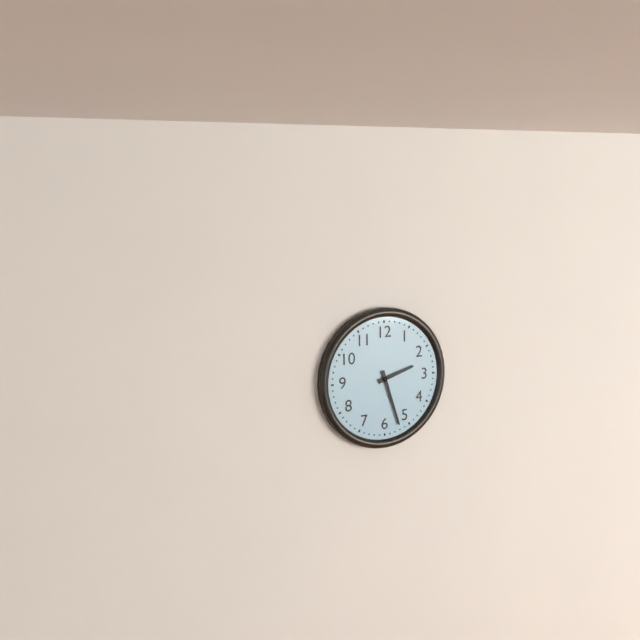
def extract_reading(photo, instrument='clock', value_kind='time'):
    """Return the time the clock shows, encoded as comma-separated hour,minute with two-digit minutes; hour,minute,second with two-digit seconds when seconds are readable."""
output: 2,27
